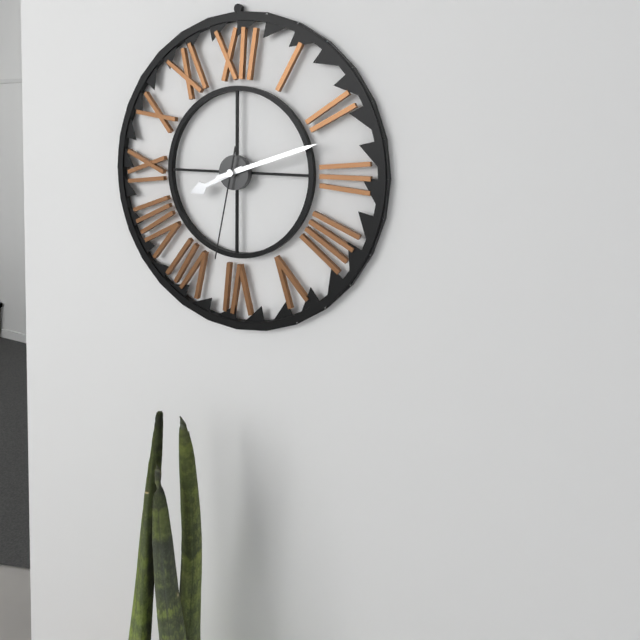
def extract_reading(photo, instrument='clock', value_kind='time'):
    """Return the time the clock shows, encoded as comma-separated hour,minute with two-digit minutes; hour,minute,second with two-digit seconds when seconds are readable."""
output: 8,12,32
